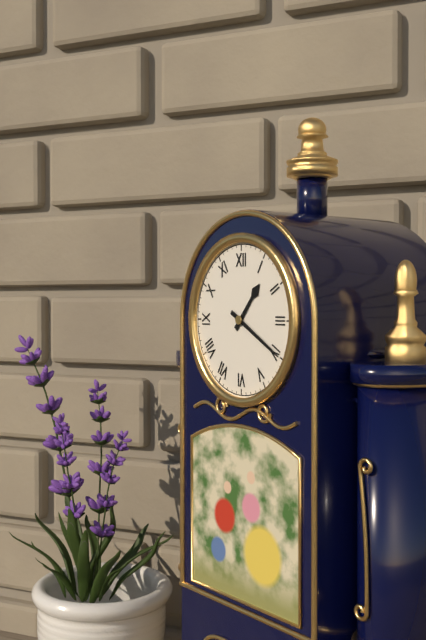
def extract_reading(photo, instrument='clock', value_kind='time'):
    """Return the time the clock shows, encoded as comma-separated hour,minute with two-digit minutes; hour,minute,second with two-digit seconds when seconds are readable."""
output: 1,20
